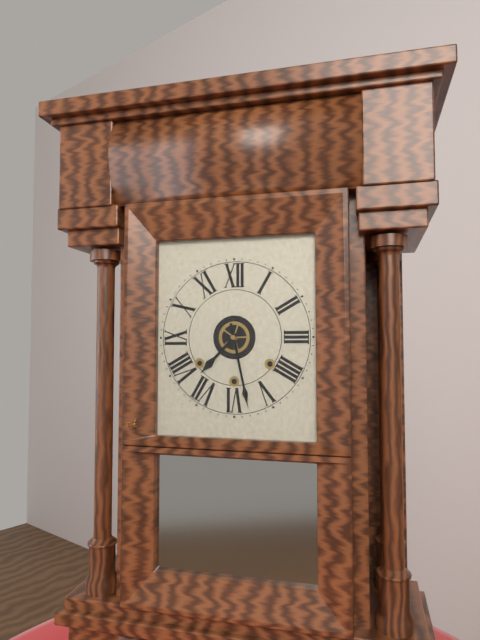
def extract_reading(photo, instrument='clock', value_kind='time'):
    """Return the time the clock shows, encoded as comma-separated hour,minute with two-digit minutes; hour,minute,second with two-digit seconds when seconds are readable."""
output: 7,28
